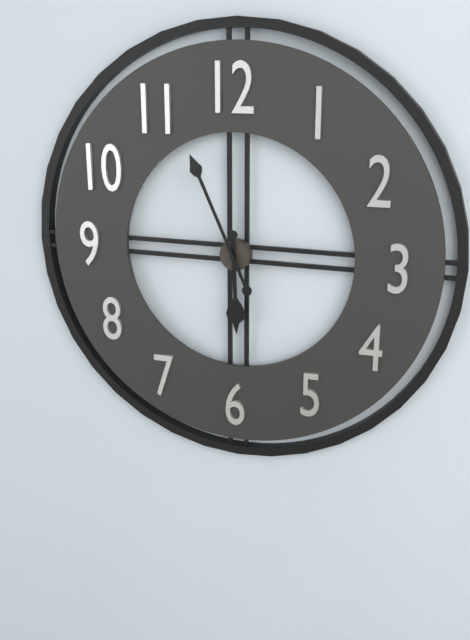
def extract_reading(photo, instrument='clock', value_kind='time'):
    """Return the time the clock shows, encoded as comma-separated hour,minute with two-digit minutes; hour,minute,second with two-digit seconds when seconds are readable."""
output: 5,56
